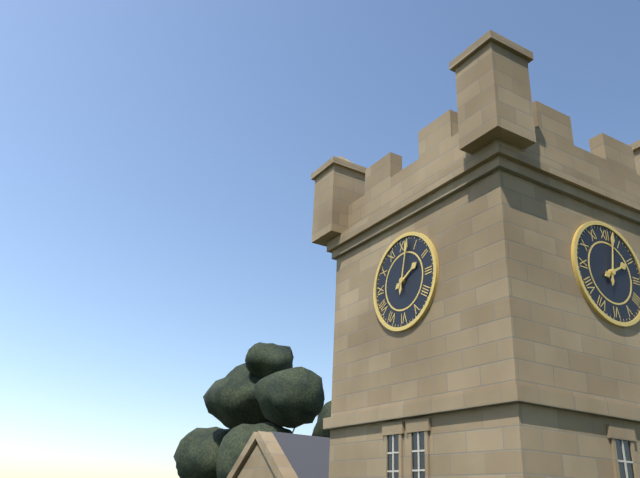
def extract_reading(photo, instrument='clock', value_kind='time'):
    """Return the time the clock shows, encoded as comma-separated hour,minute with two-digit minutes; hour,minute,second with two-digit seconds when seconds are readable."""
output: 2,02
